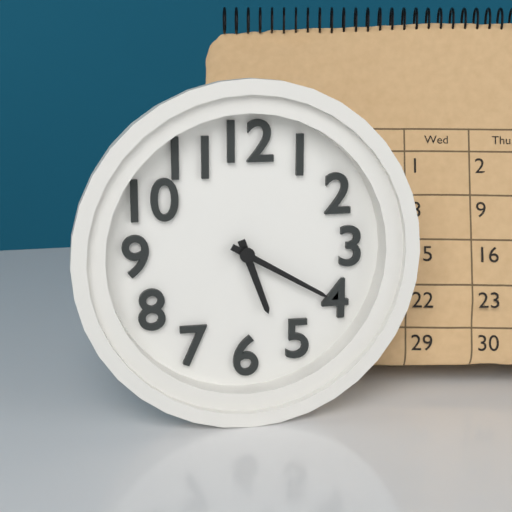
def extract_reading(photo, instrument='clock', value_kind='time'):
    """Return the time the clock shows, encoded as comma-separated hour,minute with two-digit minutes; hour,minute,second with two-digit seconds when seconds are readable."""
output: 5,20
